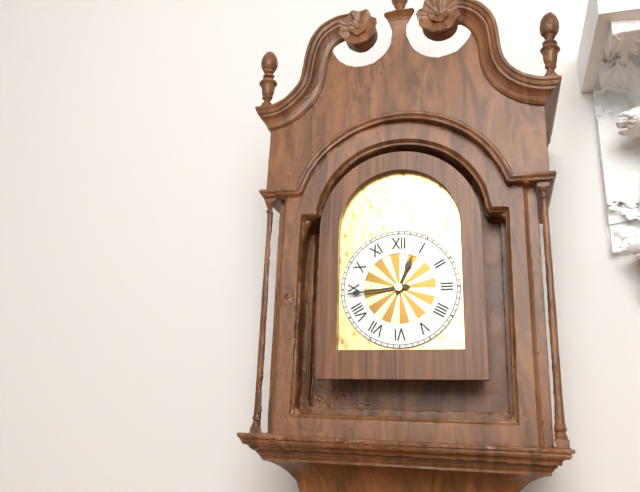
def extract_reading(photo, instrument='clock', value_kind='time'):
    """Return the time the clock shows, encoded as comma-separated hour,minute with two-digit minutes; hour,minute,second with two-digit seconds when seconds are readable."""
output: 12,44
